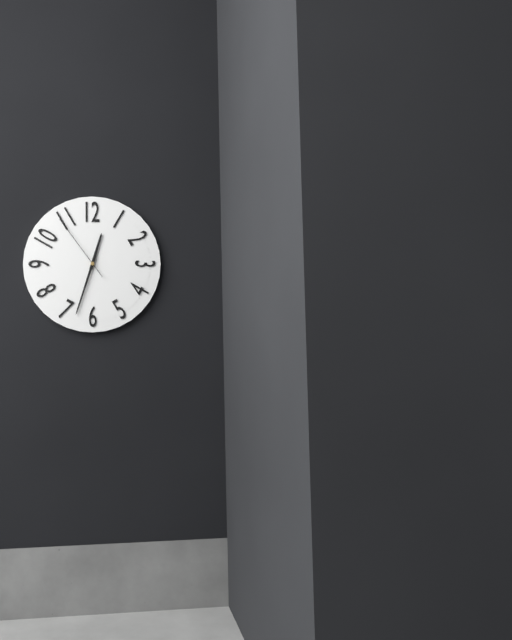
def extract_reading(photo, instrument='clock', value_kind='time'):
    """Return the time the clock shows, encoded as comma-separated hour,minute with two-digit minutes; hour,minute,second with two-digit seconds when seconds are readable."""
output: 12,33,54
